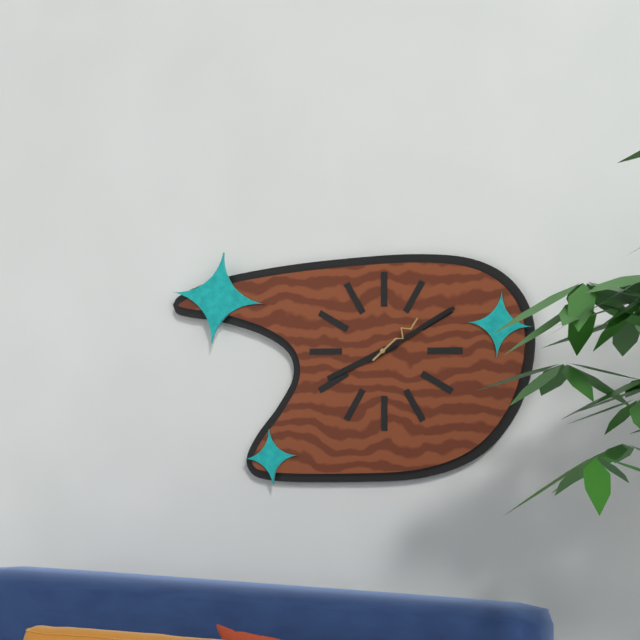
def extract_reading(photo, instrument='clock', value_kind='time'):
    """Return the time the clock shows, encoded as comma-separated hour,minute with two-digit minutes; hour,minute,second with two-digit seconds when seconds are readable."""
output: 8,10,08
